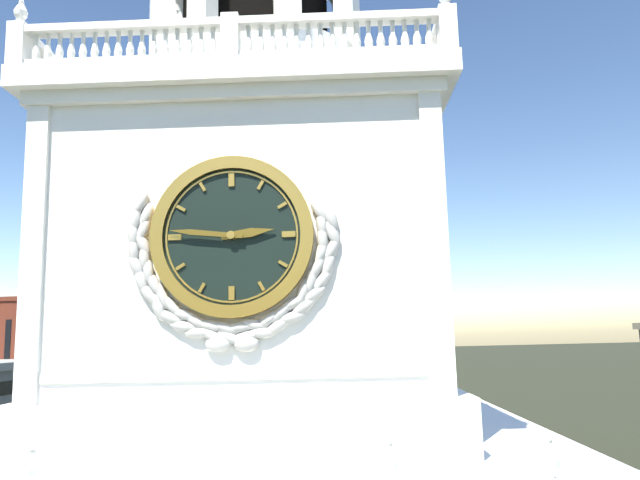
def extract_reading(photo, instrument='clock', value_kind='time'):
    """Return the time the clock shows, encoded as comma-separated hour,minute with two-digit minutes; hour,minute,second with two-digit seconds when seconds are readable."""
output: 2,46
